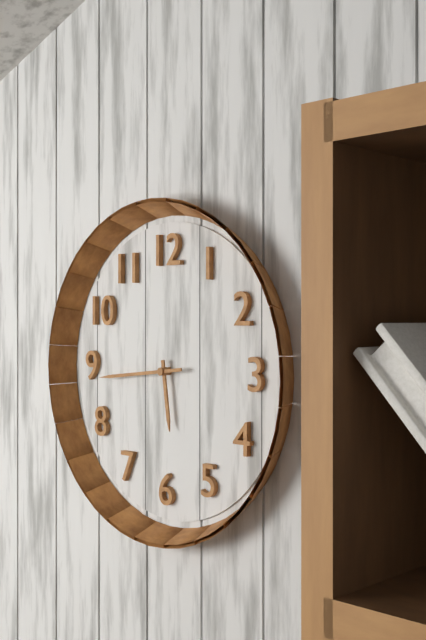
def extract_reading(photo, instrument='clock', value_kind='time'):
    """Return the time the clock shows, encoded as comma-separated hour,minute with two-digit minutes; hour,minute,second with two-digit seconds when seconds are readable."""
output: 5,44
